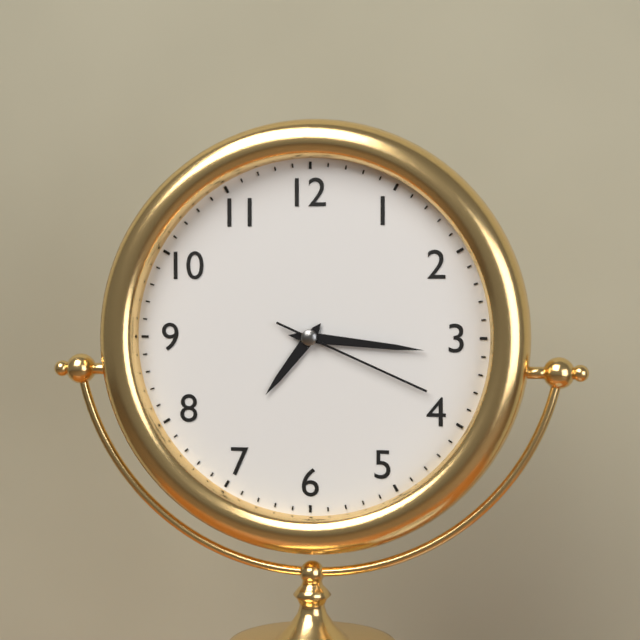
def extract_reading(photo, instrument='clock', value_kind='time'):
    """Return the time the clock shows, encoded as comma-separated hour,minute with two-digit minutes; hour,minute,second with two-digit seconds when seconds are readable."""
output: 7,16,19
